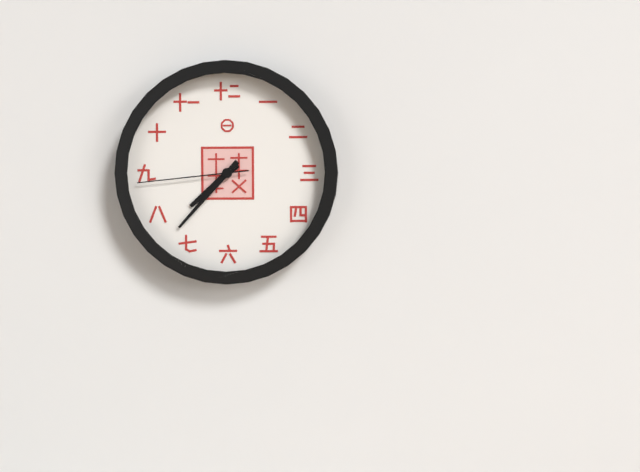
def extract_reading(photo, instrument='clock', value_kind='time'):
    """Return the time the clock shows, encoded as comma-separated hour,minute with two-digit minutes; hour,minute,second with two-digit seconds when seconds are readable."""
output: 7,37,44
